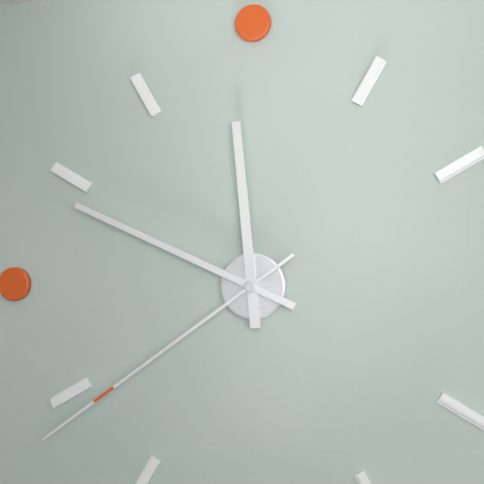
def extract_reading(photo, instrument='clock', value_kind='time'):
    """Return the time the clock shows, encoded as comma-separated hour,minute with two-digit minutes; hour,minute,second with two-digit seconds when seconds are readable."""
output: 11,49,39
